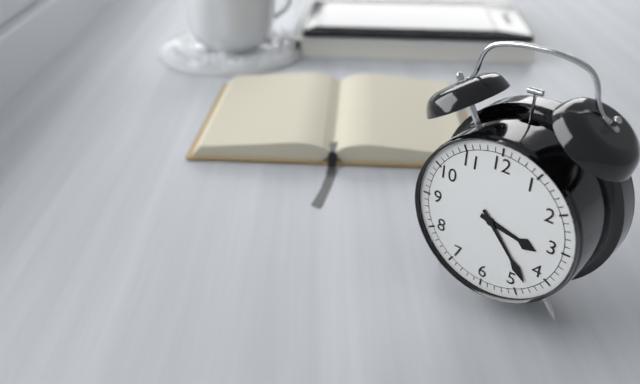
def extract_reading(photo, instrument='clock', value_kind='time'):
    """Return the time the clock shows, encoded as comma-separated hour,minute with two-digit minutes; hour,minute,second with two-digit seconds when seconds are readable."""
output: 3,23
